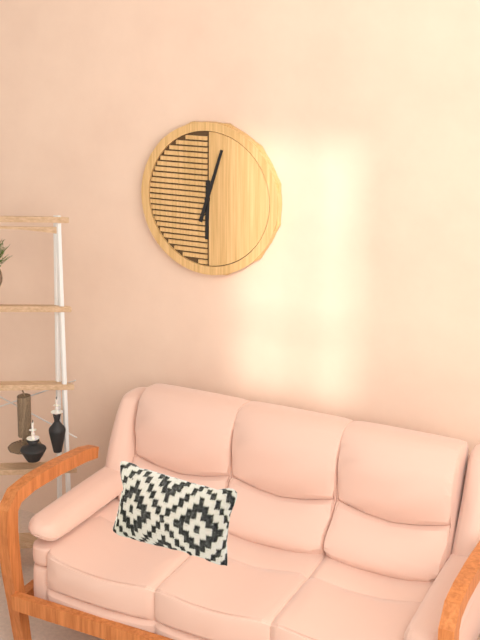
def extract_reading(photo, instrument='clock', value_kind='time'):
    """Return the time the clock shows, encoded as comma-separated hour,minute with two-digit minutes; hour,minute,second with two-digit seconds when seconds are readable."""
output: 6,03
